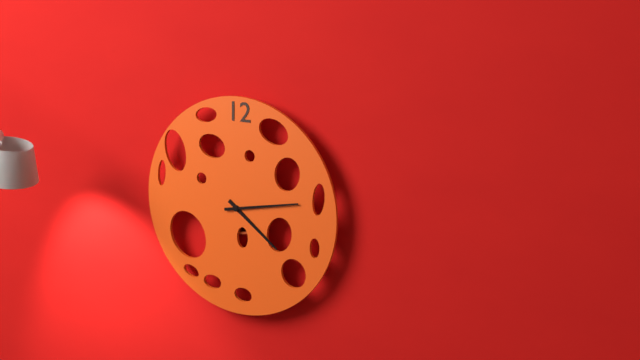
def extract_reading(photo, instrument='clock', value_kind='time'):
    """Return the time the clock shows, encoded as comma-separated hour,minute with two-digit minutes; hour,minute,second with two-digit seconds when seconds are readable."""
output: 4,13
